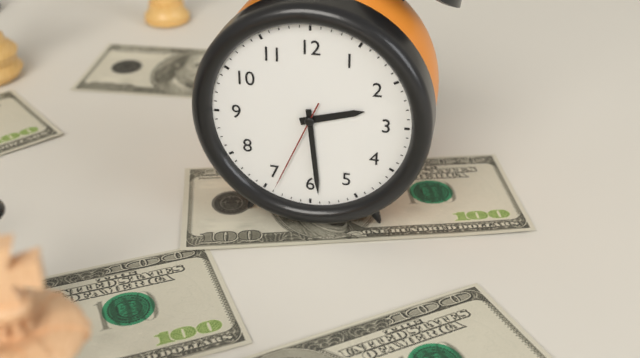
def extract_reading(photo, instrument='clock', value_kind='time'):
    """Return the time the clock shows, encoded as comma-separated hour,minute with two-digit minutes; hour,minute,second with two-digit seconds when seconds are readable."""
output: 2,29,34
